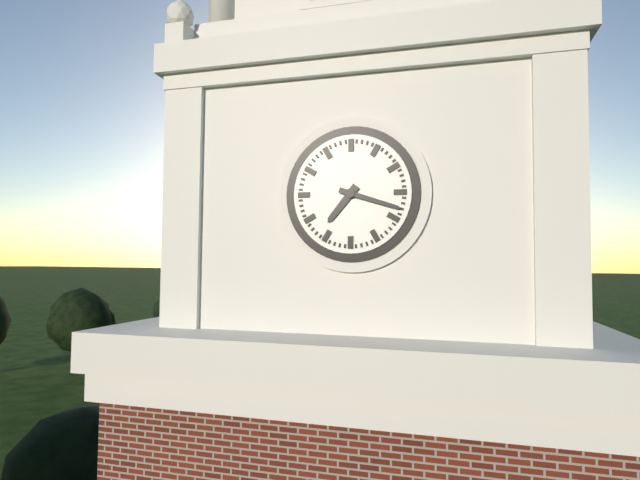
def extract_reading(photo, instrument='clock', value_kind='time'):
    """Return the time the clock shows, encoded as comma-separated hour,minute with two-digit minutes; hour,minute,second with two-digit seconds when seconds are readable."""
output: 7,18
